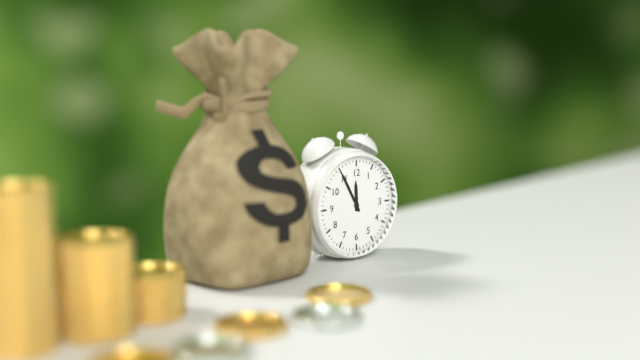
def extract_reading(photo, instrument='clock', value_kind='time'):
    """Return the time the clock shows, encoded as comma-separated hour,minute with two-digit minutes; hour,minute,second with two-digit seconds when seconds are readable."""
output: 11,55
